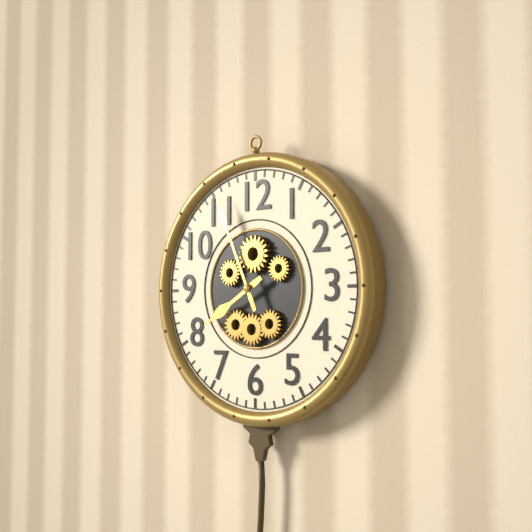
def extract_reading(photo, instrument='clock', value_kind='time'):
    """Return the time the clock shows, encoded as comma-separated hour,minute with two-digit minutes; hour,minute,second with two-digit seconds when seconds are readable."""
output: 7,56
